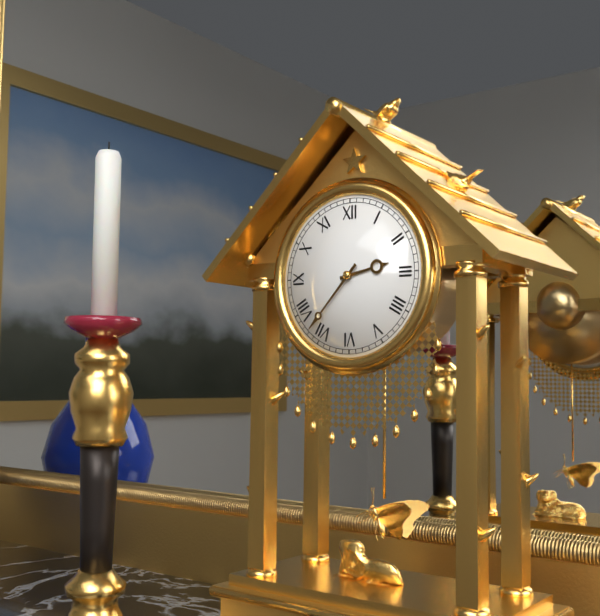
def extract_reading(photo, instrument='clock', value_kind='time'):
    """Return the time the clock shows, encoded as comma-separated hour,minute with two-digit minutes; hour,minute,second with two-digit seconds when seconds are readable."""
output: 2,37
